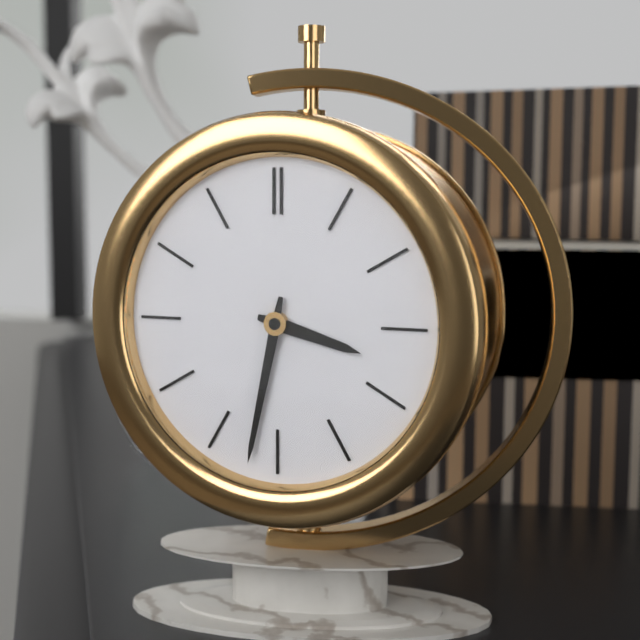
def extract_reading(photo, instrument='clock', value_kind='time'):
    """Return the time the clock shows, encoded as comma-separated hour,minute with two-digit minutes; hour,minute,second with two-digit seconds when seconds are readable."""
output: 3,32
